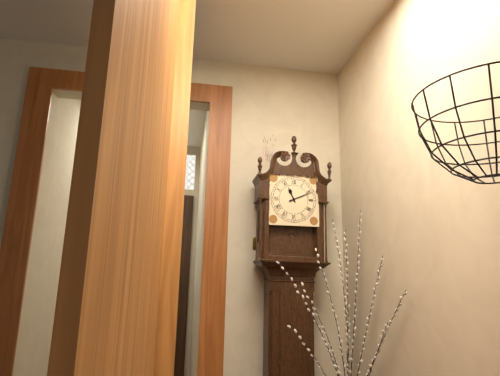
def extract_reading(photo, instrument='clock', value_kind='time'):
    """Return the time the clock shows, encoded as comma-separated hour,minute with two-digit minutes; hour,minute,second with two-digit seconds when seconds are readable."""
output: 11,11
